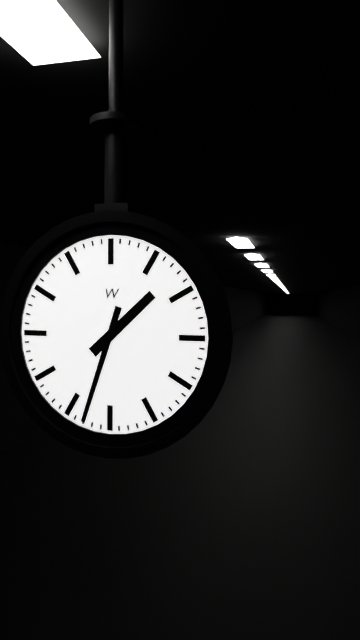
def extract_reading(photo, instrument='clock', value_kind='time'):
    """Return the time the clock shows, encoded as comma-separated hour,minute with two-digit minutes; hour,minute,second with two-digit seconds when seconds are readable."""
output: 1,33
